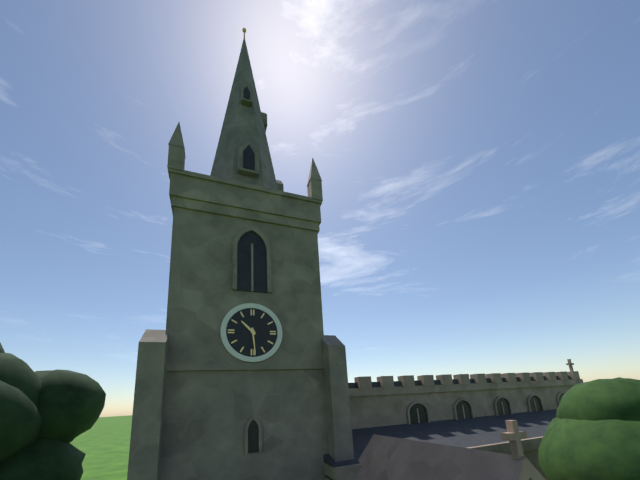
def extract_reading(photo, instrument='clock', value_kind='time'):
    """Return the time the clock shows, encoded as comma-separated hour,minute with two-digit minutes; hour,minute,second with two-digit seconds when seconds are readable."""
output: 10,29
